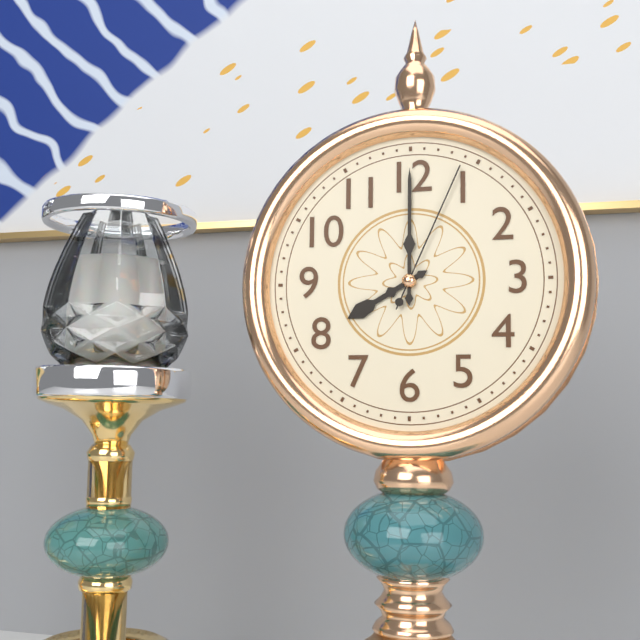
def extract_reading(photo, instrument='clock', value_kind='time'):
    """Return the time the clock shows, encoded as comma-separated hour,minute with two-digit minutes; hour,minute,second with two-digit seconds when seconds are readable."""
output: 8,00,04
